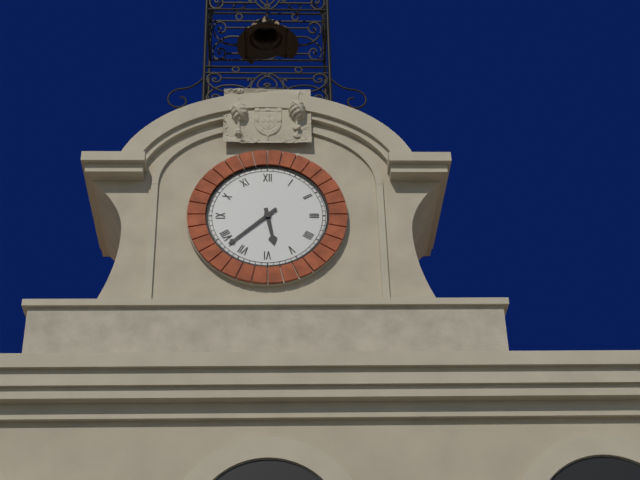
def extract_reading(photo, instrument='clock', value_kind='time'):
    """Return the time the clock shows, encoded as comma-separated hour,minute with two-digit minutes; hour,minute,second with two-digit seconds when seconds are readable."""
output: 5,38
